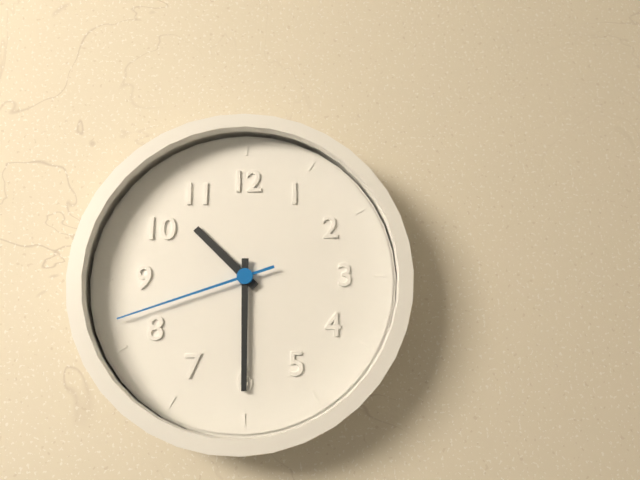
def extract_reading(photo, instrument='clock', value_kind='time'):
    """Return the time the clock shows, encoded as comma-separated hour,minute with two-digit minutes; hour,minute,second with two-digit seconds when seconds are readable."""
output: 10,30,42
